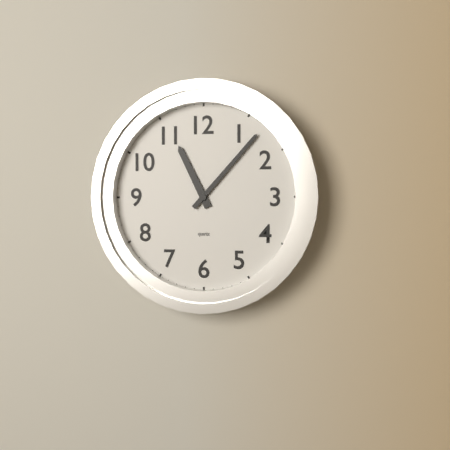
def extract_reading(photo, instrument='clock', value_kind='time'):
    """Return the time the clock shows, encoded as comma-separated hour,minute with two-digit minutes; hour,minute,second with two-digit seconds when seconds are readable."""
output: 11,07
